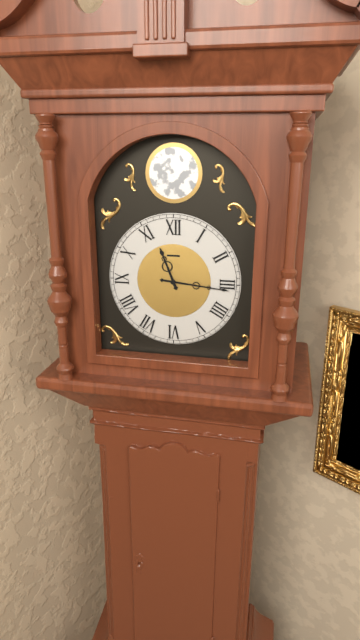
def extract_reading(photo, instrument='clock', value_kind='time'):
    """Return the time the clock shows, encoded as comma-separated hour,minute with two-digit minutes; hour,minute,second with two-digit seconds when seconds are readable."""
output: 11,16
